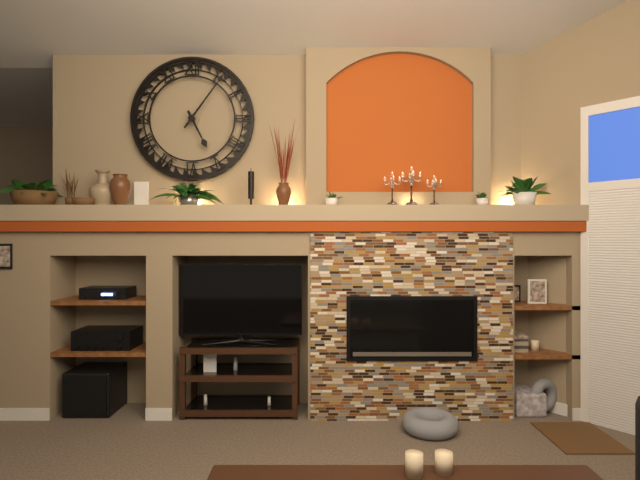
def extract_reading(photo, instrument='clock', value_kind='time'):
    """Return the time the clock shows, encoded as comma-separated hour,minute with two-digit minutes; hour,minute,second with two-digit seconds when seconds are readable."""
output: 5,06
